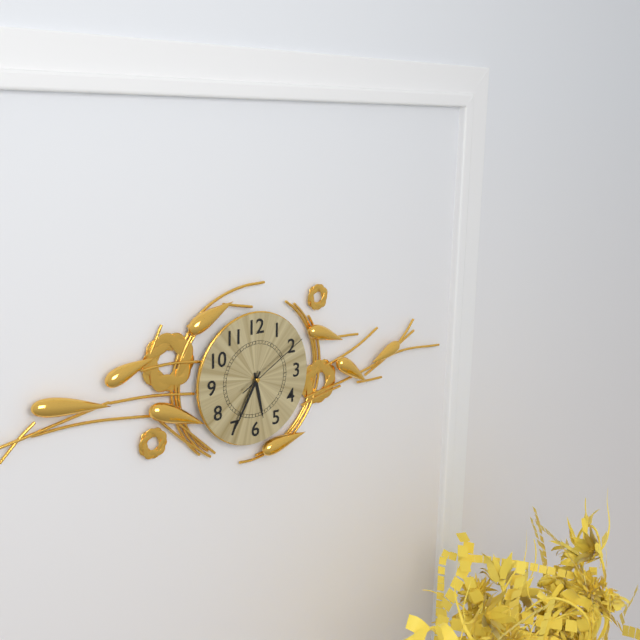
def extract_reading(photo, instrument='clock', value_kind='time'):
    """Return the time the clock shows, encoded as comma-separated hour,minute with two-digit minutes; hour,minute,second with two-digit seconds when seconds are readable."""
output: 5,35,10
